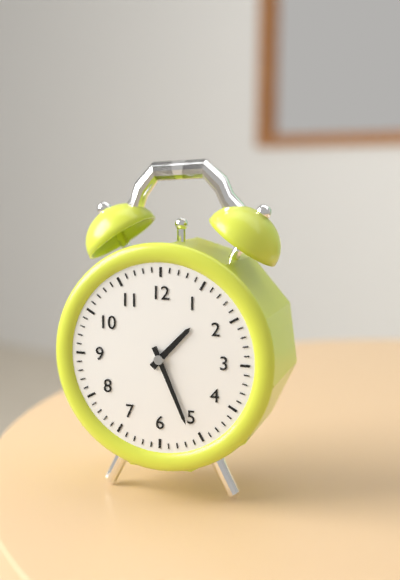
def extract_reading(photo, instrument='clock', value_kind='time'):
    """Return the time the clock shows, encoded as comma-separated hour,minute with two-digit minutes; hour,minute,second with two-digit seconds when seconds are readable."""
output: 1,26
